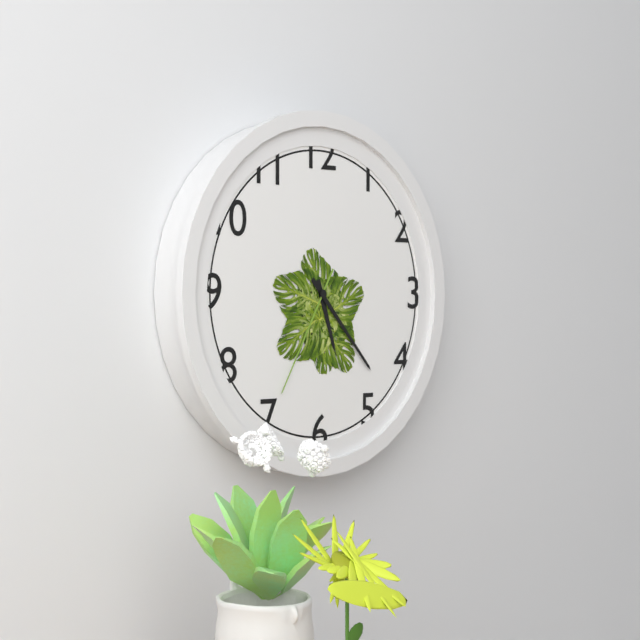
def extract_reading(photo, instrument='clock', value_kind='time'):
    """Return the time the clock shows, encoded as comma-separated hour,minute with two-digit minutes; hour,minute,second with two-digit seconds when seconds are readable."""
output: 5,23,35
